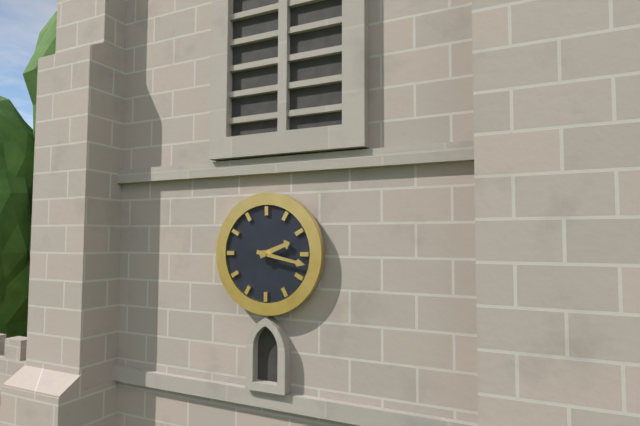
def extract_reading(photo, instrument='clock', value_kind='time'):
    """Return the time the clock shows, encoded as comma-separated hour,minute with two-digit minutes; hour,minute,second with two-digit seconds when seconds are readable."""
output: 2,17
